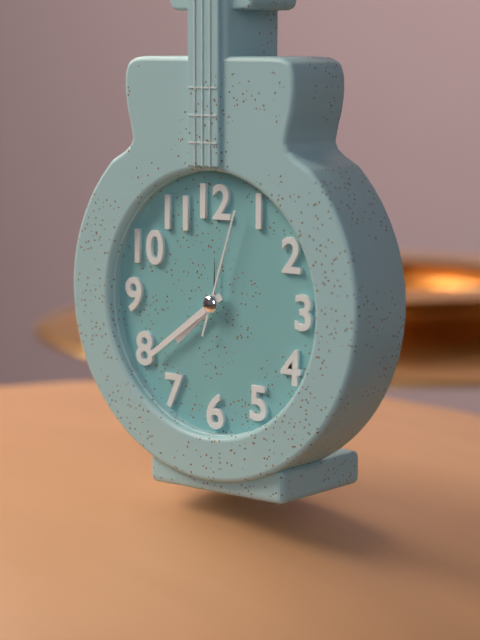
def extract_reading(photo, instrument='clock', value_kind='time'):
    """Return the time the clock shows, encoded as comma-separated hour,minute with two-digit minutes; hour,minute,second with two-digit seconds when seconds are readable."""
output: 7,39,03
